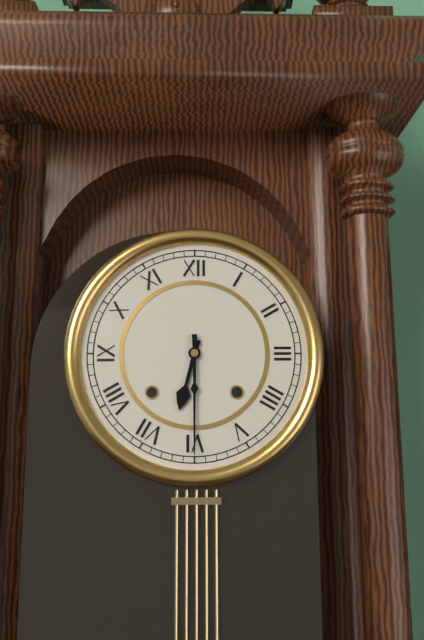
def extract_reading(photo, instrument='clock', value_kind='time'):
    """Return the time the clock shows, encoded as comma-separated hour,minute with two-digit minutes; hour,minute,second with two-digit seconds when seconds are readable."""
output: 6,30
